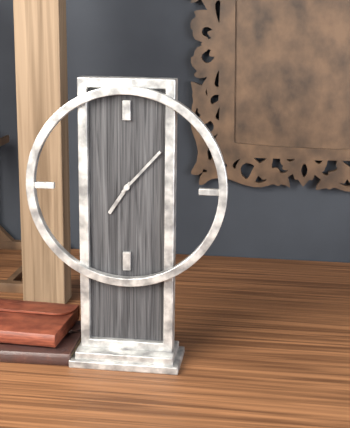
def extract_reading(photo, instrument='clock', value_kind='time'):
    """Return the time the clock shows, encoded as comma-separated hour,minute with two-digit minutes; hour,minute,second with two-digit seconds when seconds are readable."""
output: 7,07
